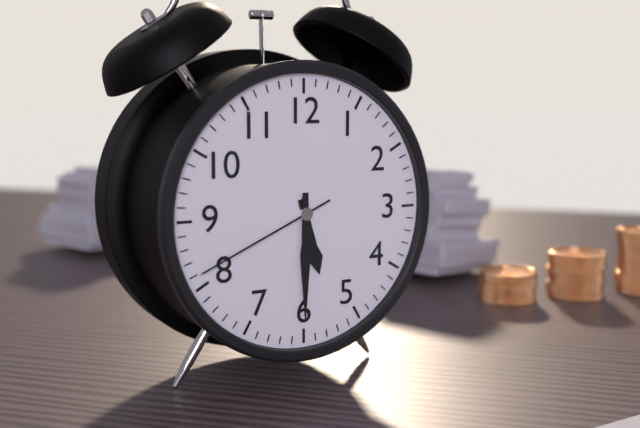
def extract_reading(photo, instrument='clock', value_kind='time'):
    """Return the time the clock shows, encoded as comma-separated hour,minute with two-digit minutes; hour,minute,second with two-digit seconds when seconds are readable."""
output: 5,30,41
